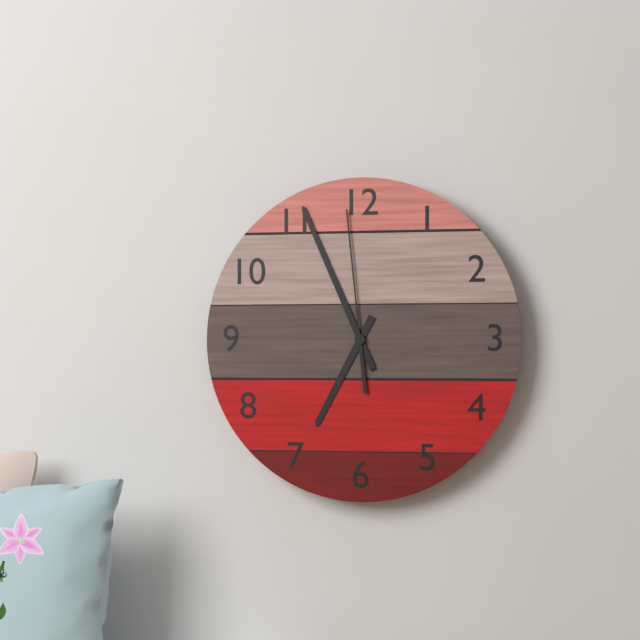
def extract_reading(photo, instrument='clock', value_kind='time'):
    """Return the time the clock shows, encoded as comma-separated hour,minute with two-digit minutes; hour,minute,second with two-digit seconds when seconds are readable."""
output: 6,56,59
